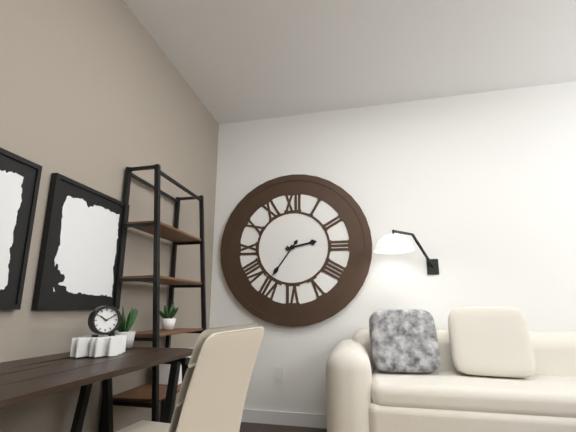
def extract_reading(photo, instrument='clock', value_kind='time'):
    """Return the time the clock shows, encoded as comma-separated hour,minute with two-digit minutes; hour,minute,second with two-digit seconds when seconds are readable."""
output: 2,36
